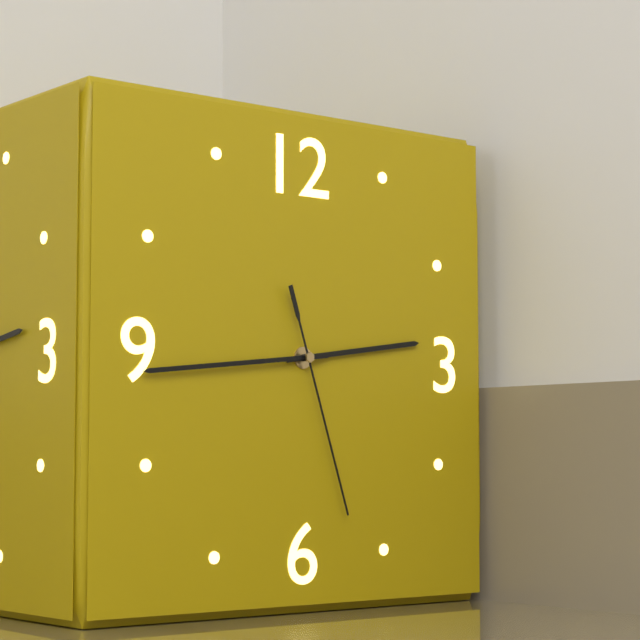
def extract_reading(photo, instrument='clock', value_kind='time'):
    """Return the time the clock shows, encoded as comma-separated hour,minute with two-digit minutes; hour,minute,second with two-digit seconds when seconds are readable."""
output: 2,44,27
